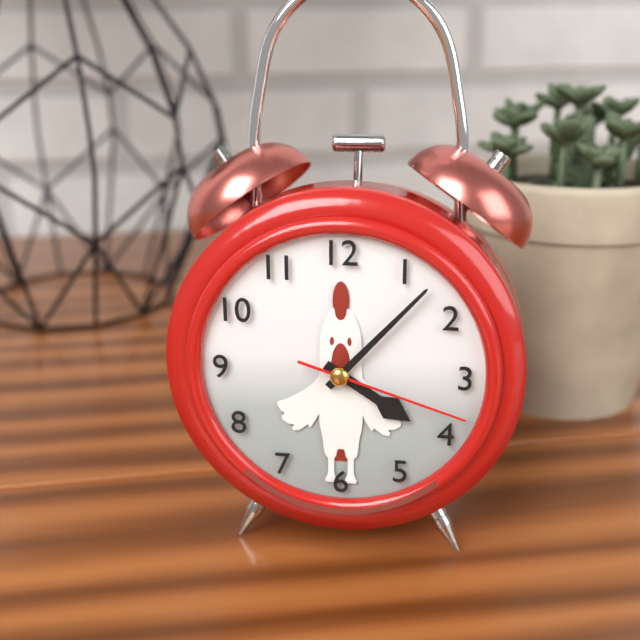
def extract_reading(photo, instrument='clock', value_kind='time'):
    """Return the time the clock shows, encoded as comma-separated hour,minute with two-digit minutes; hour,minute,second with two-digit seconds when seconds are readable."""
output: 4,07,18
